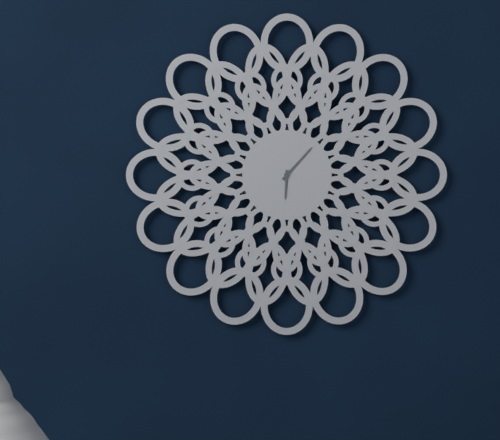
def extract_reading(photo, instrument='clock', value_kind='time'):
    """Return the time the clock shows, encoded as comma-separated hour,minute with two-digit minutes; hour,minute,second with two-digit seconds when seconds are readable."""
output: 6,07
